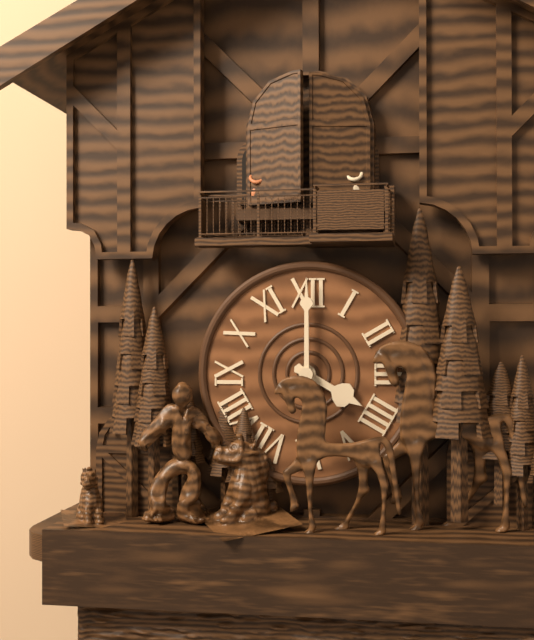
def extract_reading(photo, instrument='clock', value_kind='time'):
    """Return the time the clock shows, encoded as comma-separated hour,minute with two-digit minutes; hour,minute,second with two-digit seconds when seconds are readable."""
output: 4,00
